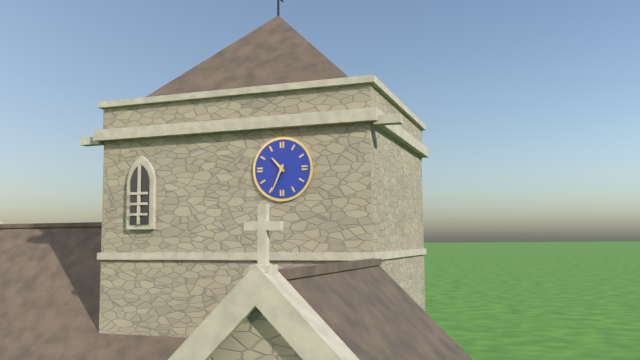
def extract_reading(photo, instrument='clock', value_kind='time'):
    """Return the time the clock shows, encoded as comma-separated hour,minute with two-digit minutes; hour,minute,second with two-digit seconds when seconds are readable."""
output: 10,34
